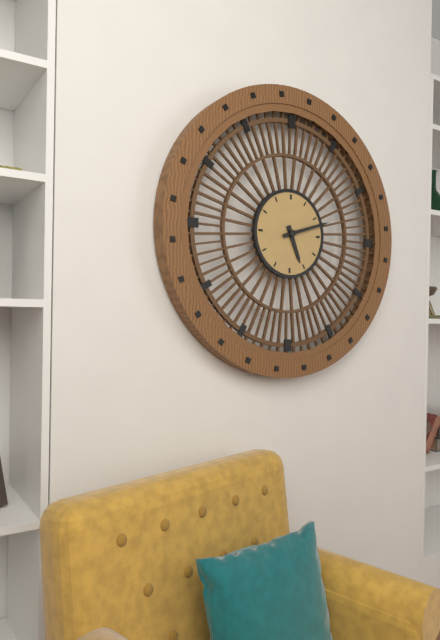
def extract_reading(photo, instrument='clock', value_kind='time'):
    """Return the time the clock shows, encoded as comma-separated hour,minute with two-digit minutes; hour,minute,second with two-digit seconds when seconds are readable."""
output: 5,12
